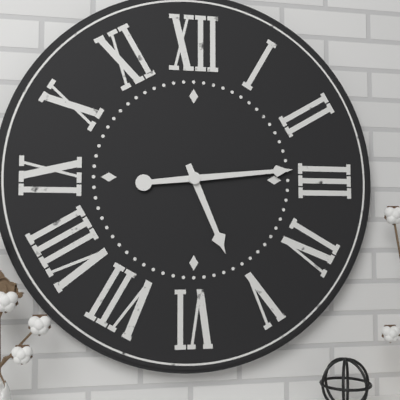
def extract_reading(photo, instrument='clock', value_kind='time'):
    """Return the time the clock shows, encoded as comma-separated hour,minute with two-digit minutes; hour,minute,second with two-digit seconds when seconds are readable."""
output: 5,14
